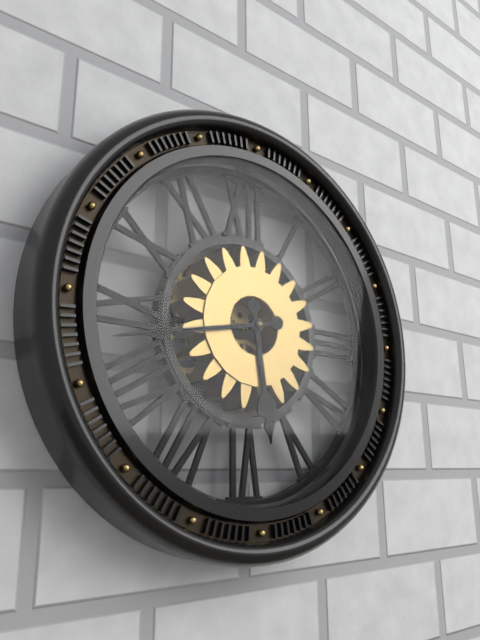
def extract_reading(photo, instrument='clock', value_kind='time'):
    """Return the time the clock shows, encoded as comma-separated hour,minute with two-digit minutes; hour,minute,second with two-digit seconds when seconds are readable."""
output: 5,43
